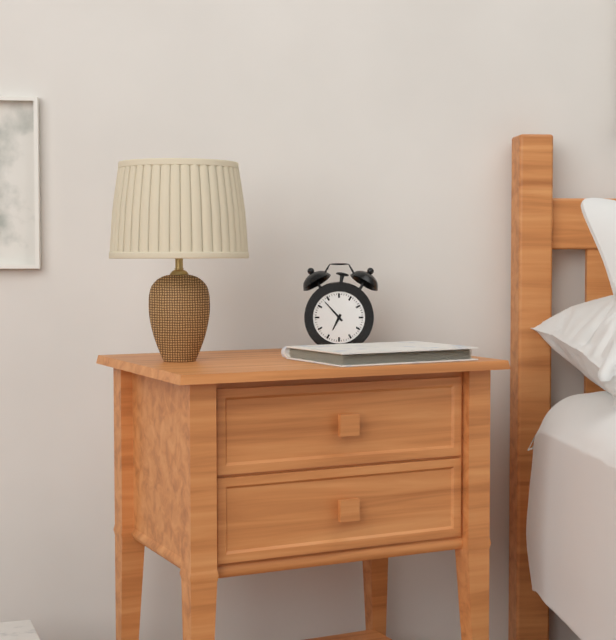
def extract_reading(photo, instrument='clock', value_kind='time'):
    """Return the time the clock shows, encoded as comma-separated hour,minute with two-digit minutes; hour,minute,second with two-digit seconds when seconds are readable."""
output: 6,53
